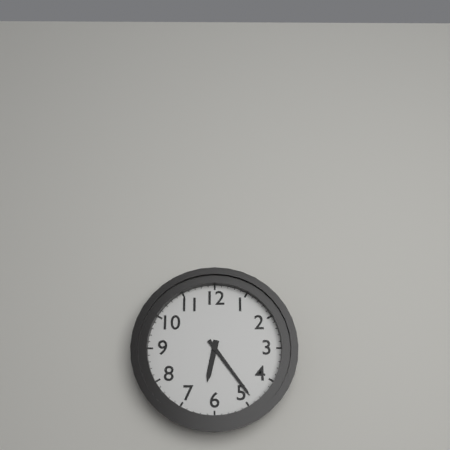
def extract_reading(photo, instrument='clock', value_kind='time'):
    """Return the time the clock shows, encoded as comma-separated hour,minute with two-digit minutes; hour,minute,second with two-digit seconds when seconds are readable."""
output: 6,24
